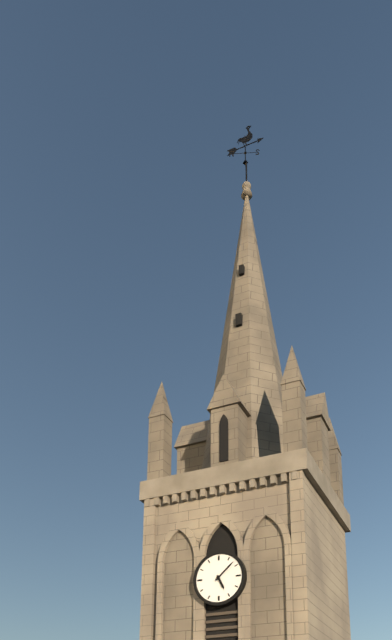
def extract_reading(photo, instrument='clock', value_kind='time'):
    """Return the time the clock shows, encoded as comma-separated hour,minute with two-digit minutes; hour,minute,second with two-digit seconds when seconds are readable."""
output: 5,08
